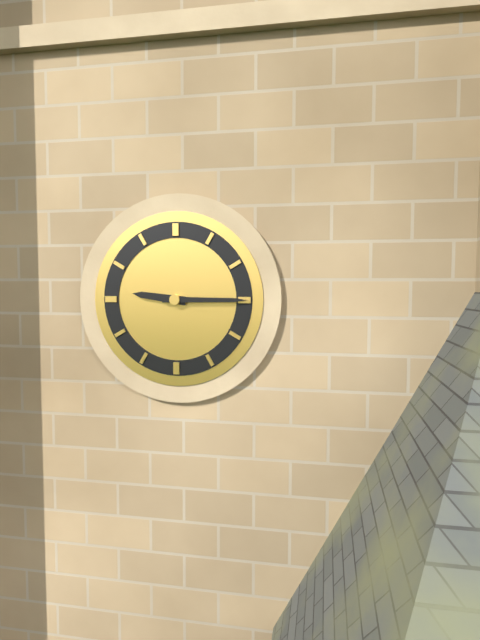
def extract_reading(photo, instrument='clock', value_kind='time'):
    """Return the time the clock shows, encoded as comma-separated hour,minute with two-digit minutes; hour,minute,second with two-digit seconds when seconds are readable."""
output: 9,15
